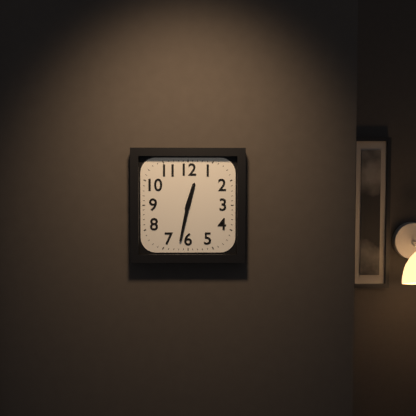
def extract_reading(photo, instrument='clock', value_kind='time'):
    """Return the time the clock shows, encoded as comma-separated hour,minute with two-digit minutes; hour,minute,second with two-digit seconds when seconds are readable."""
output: 12,32
